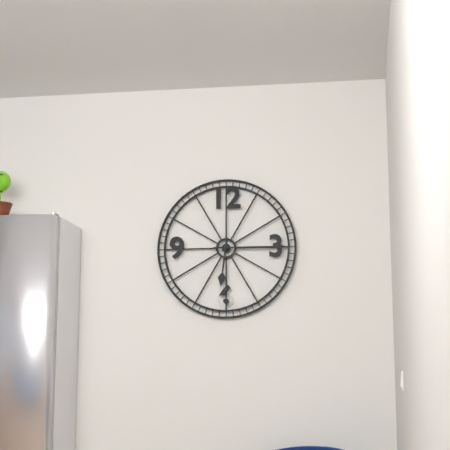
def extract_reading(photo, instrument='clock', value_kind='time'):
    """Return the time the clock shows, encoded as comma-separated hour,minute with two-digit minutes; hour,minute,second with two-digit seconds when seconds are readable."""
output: 6,15
